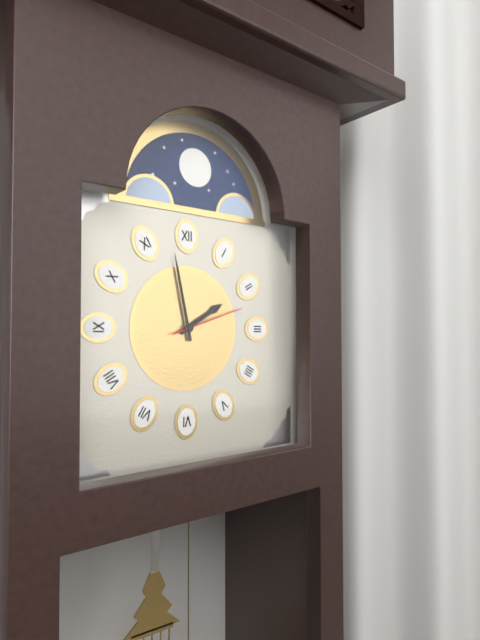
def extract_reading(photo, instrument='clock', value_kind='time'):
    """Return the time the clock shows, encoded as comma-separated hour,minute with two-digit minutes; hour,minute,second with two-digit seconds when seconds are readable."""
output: 1,58,12
